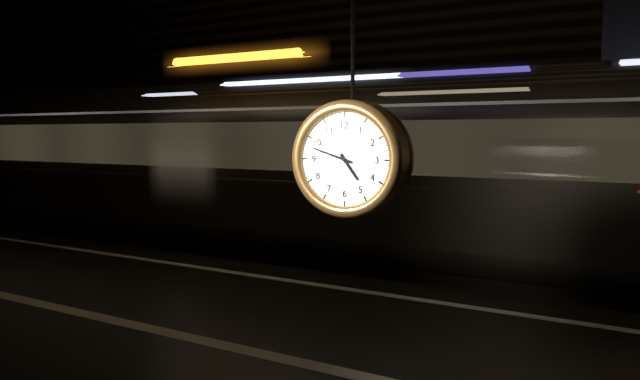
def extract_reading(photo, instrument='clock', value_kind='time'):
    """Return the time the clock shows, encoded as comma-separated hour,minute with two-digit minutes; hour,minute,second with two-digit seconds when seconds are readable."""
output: 4,48
